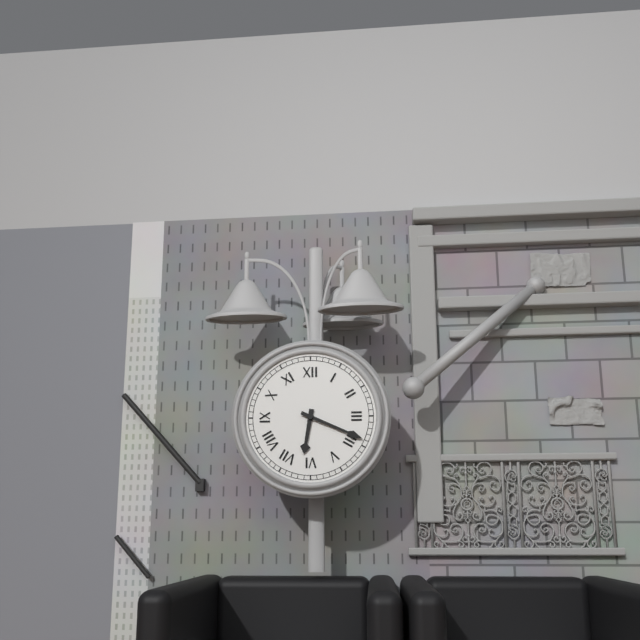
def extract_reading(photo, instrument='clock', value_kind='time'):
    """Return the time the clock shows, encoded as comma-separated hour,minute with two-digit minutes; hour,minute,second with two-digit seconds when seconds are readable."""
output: 6,19
